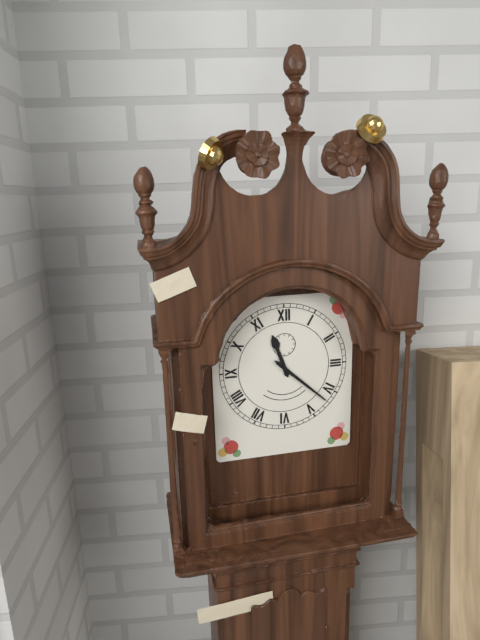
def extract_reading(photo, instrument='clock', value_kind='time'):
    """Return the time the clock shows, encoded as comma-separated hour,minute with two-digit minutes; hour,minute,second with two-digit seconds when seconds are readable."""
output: 11,22
